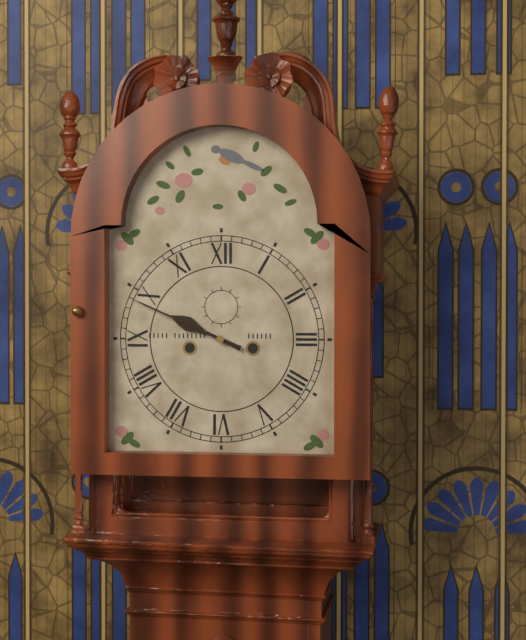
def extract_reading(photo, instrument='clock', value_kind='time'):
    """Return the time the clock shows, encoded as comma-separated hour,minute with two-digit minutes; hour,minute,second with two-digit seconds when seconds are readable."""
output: 9,49
